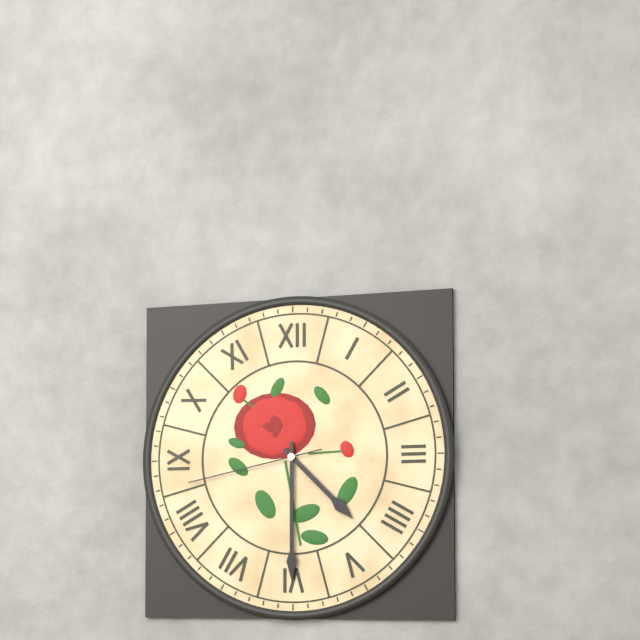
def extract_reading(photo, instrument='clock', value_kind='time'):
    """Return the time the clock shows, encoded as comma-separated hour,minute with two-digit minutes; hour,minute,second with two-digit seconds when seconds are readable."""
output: 4,30,43
